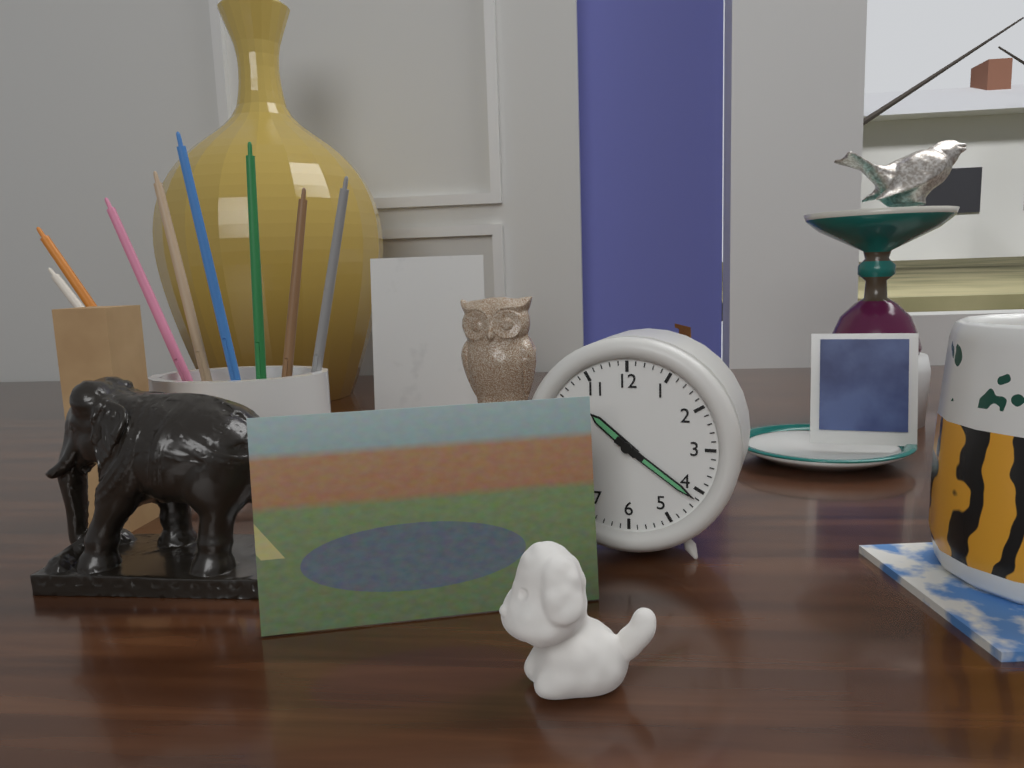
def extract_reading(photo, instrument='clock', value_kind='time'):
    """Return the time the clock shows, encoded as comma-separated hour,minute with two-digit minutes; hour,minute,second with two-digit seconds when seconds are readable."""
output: 10,21
